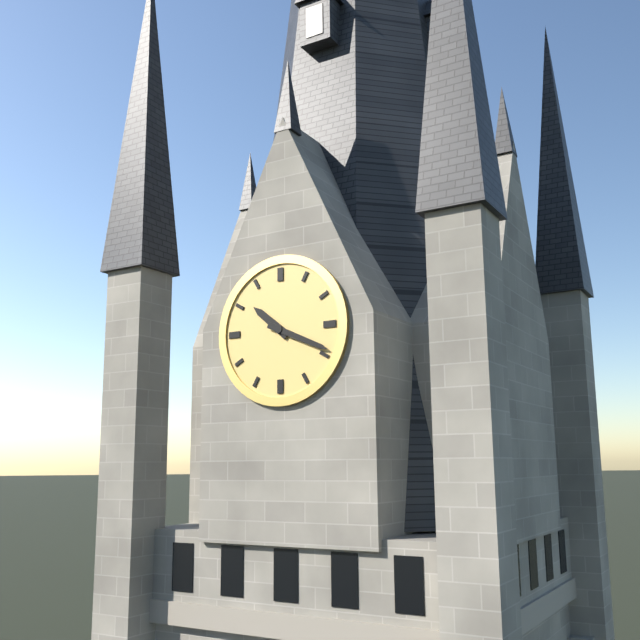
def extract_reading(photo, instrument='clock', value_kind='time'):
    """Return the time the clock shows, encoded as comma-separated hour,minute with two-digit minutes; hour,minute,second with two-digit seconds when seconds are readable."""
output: 10,19
